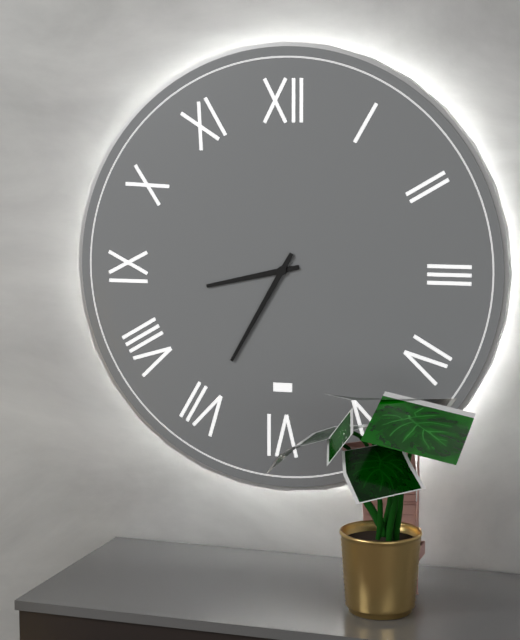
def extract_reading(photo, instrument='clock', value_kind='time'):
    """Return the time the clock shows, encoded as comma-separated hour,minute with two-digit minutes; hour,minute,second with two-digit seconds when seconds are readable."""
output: 8,35
